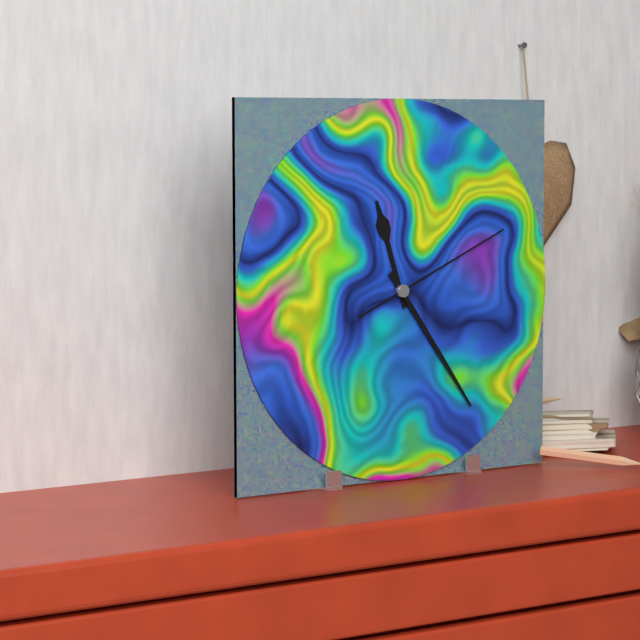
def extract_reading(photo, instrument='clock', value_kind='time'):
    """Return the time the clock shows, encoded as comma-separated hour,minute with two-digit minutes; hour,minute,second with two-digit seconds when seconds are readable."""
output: 11,24,11
